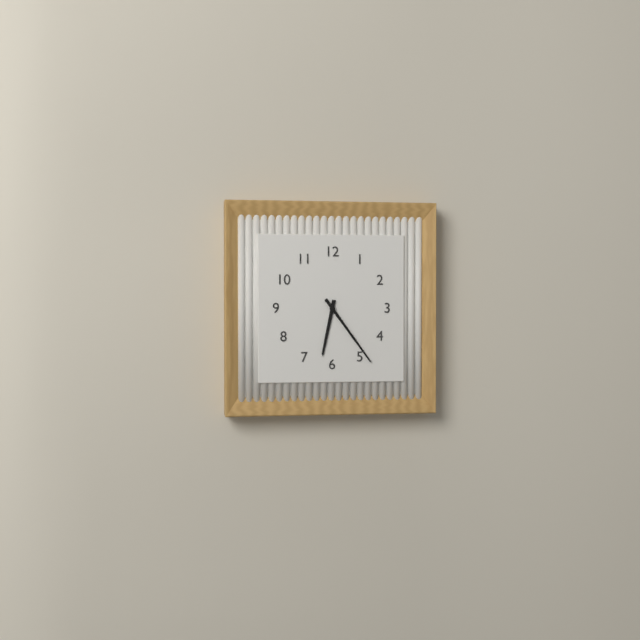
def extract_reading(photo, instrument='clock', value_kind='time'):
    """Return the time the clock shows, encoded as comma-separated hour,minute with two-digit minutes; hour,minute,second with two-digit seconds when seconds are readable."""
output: 6,24
